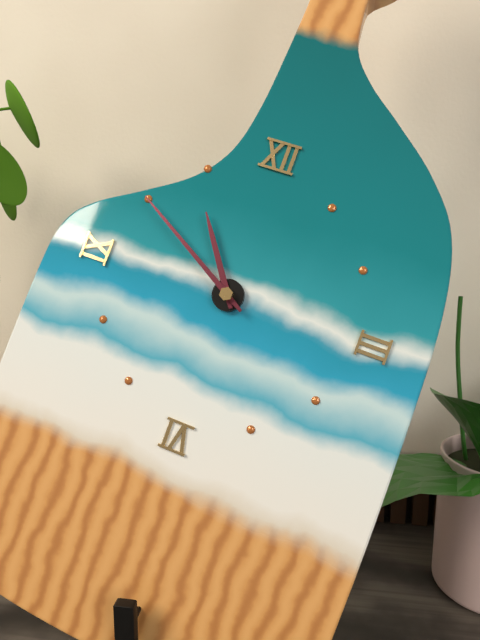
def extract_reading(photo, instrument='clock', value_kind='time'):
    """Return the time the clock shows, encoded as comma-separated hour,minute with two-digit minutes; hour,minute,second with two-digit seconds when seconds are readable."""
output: 10,50
